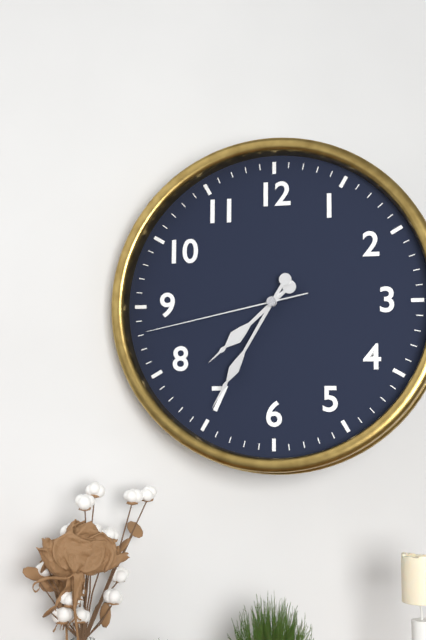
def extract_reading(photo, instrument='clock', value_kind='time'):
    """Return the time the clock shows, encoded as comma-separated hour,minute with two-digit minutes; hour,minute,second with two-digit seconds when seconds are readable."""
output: 7,35,43
